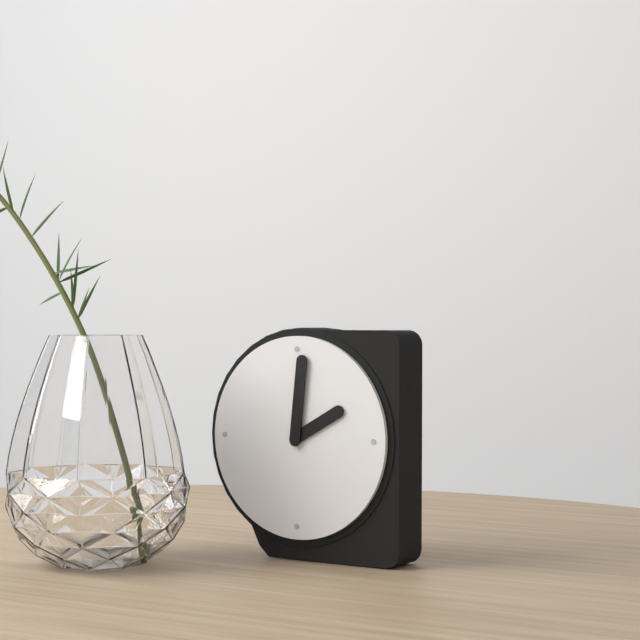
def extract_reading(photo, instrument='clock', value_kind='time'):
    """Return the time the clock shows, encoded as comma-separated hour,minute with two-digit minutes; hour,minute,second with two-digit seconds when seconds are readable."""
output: 2,01
